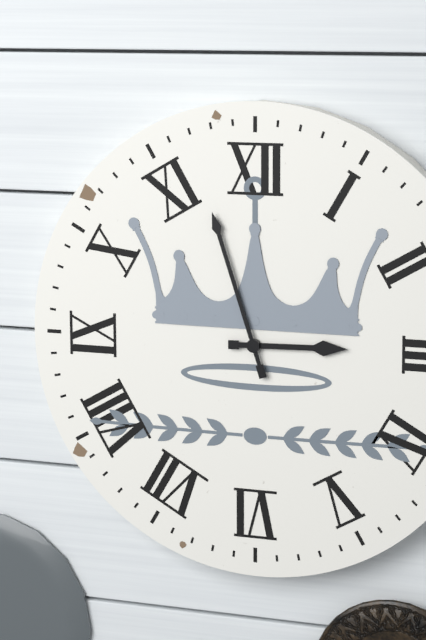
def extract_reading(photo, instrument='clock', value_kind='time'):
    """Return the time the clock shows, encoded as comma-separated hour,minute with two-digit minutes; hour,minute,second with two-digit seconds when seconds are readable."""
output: 2,57
